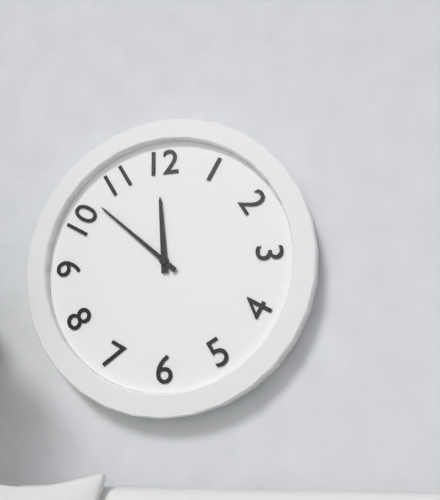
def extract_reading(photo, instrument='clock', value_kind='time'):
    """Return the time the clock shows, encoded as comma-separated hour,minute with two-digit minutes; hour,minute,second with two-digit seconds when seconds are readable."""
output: 11,52
